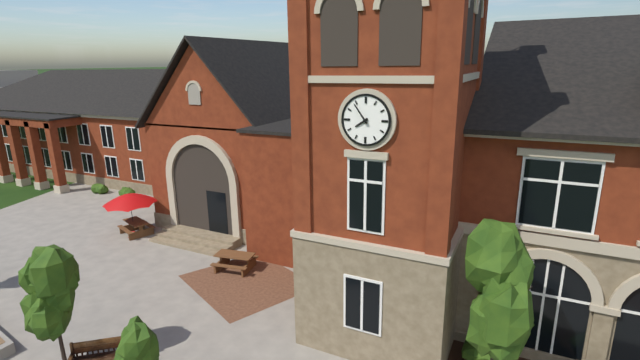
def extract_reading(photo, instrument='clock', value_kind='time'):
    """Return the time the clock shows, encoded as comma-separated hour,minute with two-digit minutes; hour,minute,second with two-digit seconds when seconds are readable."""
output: 7,54
